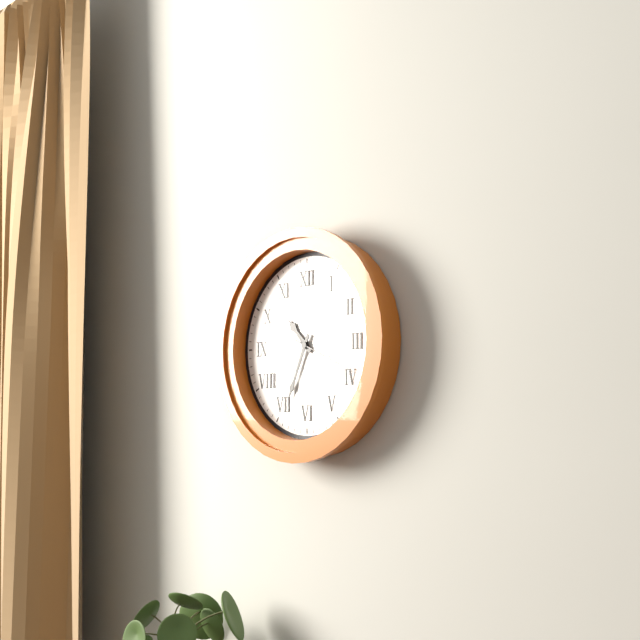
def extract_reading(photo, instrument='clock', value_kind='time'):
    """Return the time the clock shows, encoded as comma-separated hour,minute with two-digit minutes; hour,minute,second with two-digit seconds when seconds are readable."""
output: 10,34,19
